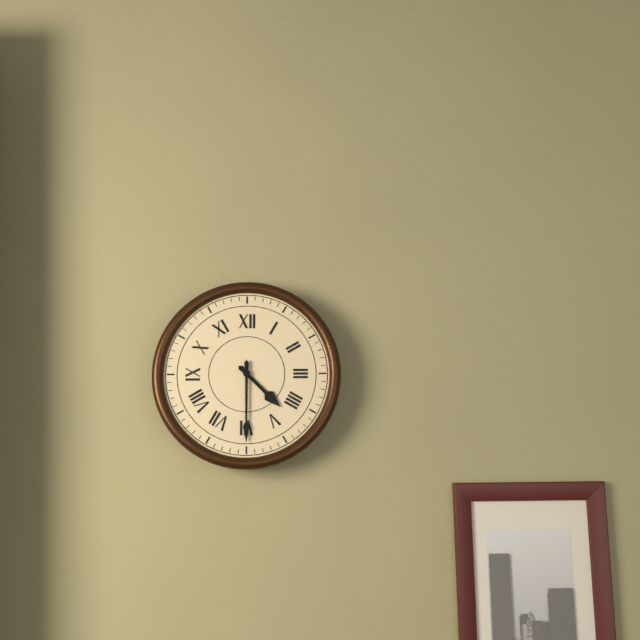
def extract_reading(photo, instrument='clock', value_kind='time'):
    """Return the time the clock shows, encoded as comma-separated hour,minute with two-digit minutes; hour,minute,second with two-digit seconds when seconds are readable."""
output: 4,30
